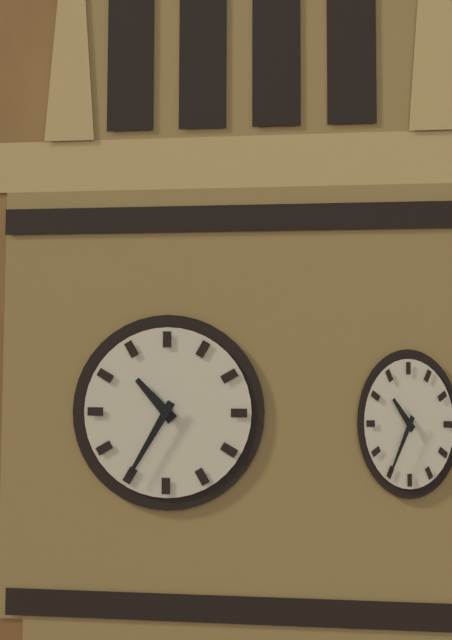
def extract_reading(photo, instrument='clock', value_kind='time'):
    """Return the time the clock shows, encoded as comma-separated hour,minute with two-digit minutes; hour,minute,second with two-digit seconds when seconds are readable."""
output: 10,35
